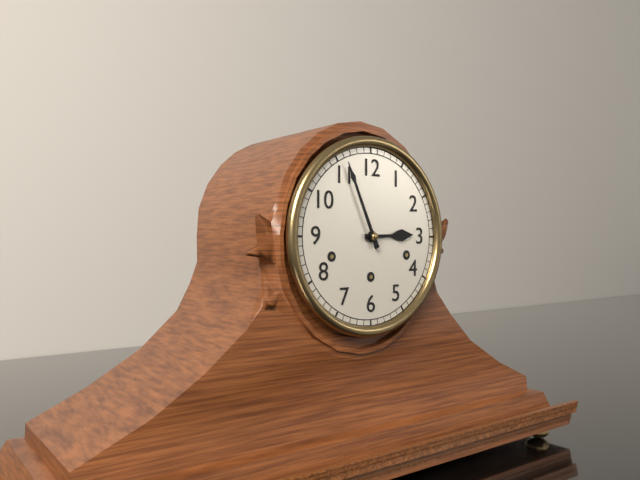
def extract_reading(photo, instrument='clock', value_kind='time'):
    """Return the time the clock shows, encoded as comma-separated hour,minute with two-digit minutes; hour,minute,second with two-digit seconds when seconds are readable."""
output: 2,56
